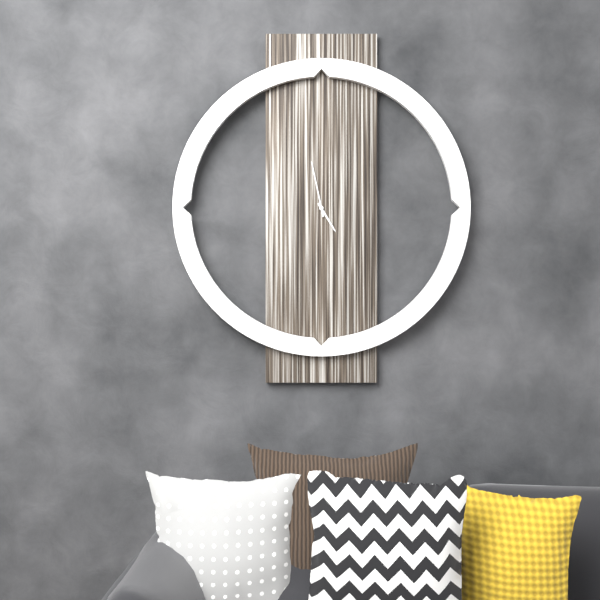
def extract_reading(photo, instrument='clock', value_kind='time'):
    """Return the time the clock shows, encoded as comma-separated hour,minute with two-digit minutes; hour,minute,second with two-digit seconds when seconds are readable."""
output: 4,58
